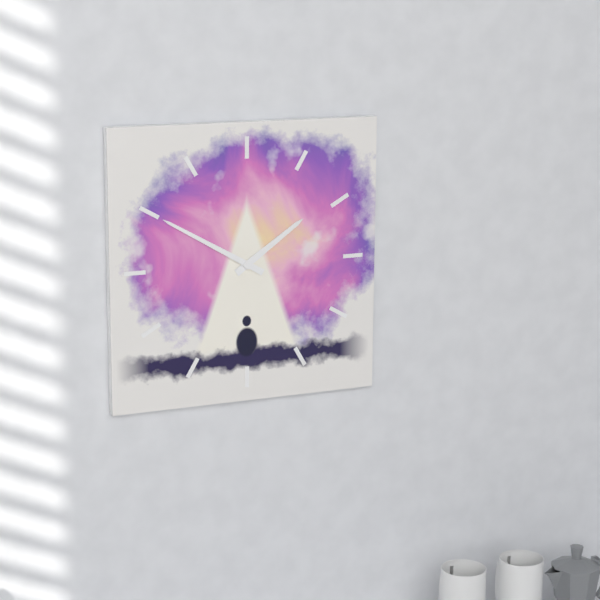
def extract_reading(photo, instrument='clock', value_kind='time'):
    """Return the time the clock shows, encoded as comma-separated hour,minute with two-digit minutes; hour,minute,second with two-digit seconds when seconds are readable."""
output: 1,50
